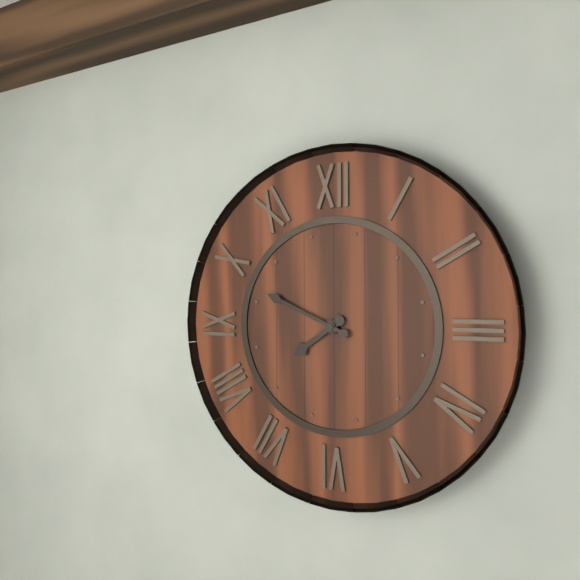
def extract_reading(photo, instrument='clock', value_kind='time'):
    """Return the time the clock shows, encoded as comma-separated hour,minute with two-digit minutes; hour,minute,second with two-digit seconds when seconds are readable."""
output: 7,49
